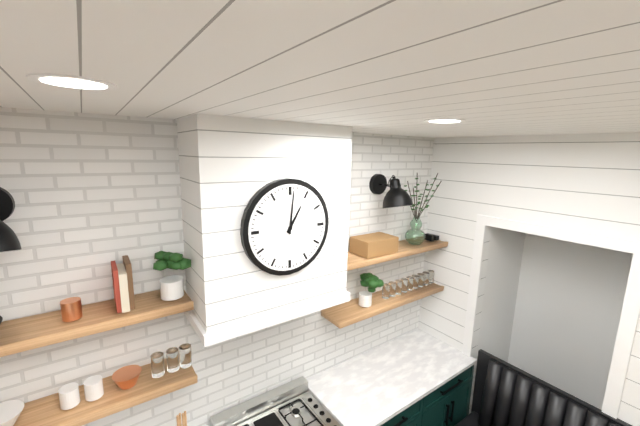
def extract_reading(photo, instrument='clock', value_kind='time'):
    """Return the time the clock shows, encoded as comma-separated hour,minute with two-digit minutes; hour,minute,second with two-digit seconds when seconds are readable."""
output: 1,01
